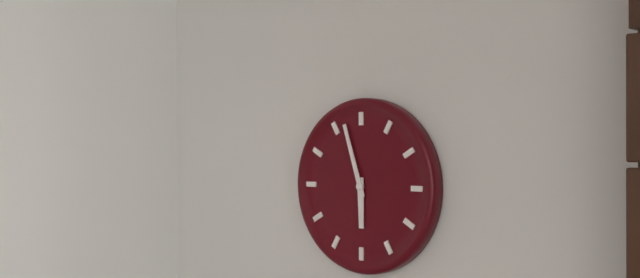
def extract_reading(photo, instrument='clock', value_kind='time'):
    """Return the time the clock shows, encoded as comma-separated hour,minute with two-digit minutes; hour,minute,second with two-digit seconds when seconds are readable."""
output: 5,57
